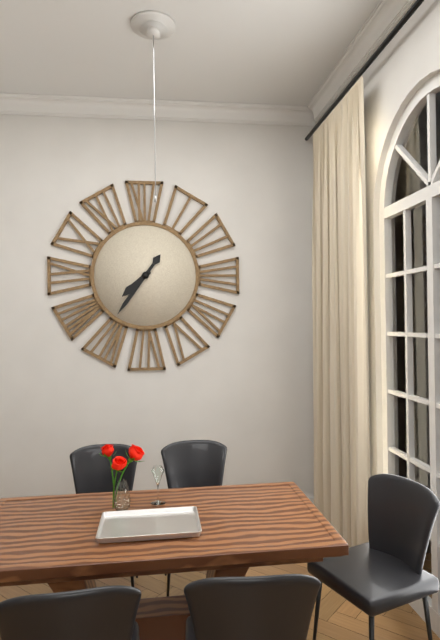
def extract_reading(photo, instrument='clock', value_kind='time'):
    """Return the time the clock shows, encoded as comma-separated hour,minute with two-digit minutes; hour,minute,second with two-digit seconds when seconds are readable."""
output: 7,36
